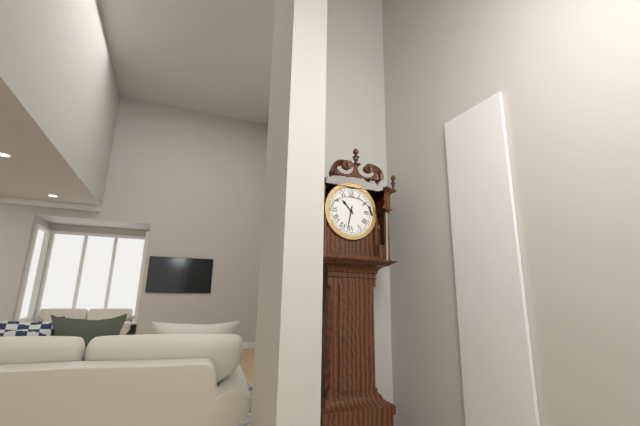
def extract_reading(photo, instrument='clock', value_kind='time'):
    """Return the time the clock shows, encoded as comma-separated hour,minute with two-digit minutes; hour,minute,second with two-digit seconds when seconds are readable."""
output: 10,32
